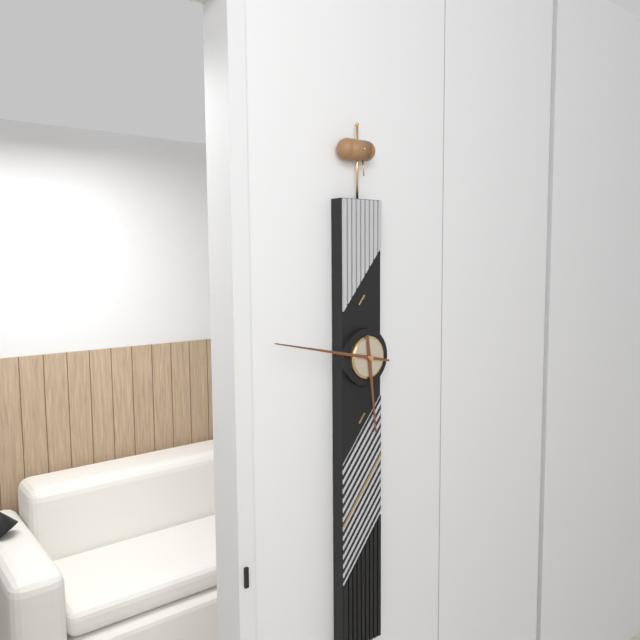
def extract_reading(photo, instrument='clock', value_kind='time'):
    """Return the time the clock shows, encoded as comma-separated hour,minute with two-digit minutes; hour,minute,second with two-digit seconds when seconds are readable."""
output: 5,47
